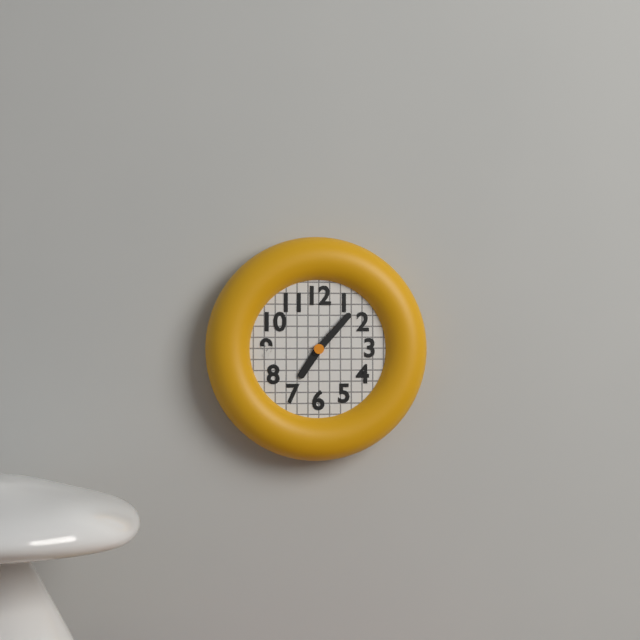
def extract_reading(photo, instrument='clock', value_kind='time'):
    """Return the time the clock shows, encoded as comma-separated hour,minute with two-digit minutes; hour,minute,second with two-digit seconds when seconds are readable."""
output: 7,07
